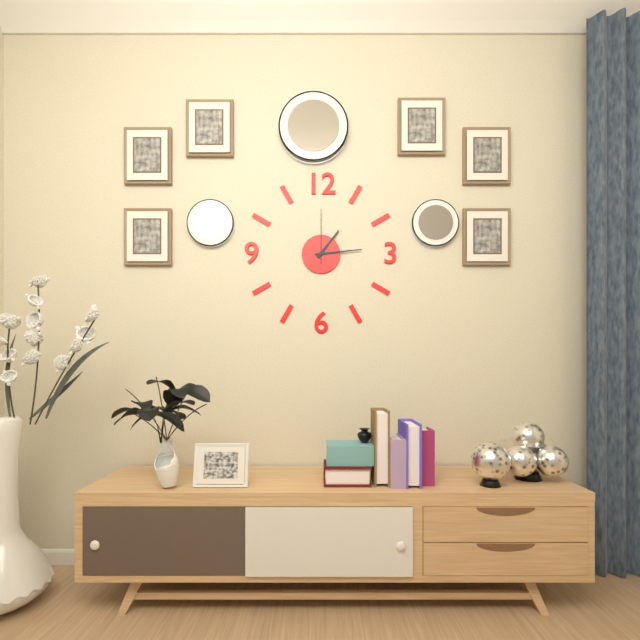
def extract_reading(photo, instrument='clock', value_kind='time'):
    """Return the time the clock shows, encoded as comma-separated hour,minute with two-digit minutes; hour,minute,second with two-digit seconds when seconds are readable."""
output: 1,14,00
